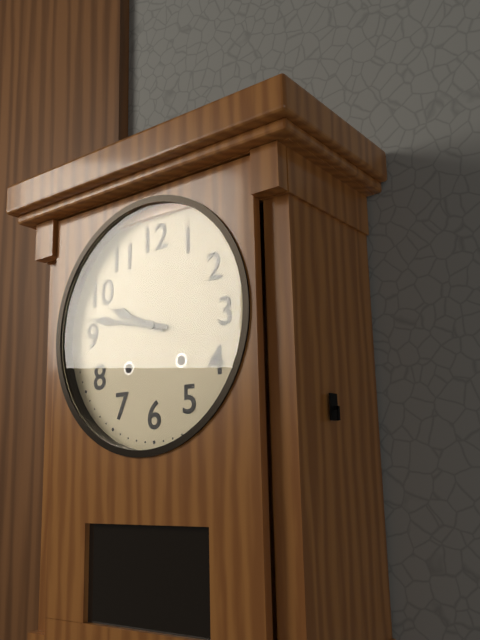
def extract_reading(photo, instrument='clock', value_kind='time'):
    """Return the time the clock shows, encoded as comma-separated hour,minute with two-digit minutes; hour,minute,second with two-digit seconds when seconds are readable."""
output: 9,47
